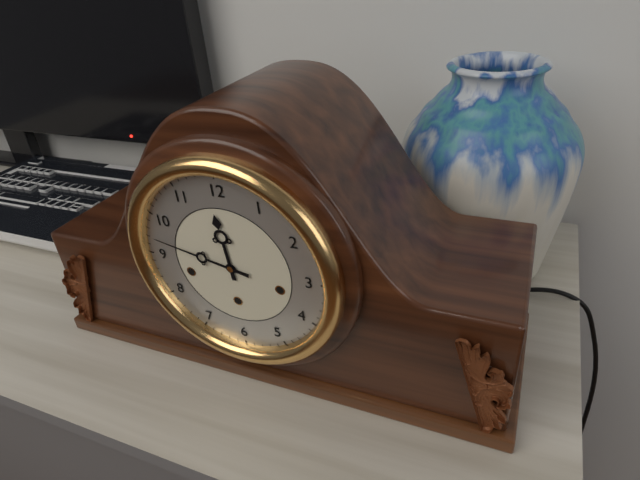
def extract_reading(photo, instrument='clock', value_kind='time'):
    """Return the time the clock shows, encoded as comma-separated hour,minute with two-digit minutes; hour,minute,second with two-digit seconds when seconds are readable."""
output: 11,47
